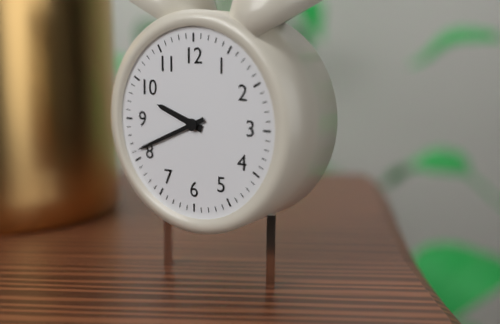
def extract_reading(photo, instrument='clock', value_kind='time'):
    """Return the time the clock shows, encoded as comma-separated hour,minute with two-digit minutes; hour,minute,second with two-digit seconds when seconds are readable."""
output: 9,41
